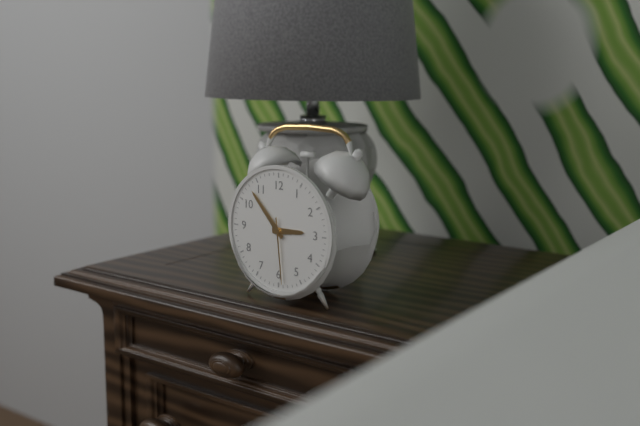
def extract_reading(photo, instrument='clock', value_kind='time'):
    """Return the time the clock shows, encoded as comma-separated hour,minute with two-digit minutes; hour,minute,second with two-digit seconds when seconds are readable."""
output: 2,53,29
